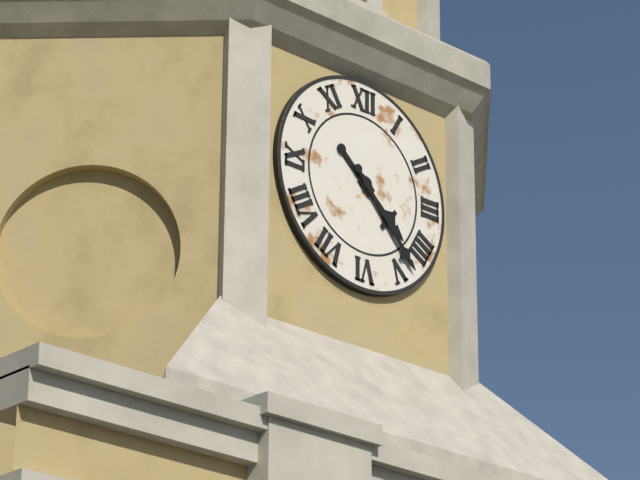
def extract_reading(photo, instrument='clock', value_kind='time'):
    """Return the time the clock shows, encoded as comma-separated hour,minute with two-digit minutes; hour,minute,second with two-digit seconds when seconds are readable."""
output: 4,23
